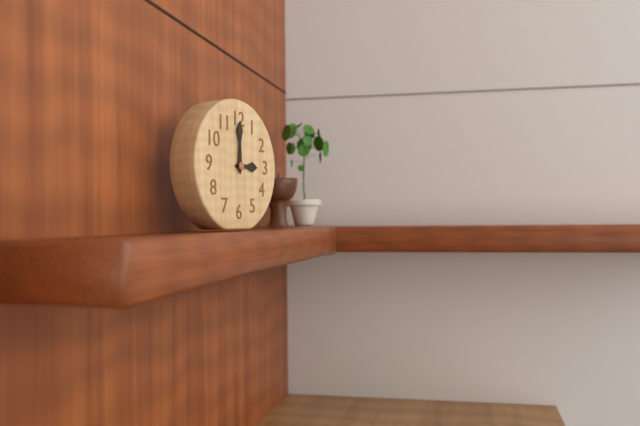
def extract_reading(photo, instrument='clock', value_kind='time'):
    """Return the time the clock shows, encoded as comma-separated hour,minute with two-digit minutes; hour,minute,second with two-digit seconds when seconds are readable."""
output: 3,00
